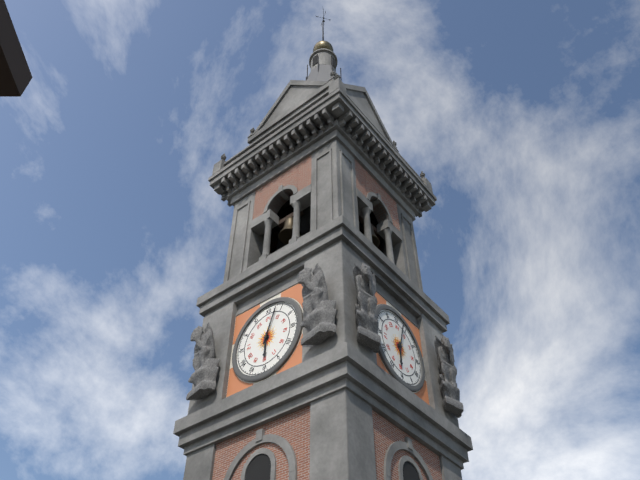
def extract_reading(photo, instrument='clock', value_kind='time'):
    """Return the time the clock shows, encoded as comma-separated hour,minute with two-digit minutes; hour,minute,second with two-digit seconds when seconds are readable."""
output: 6,03
